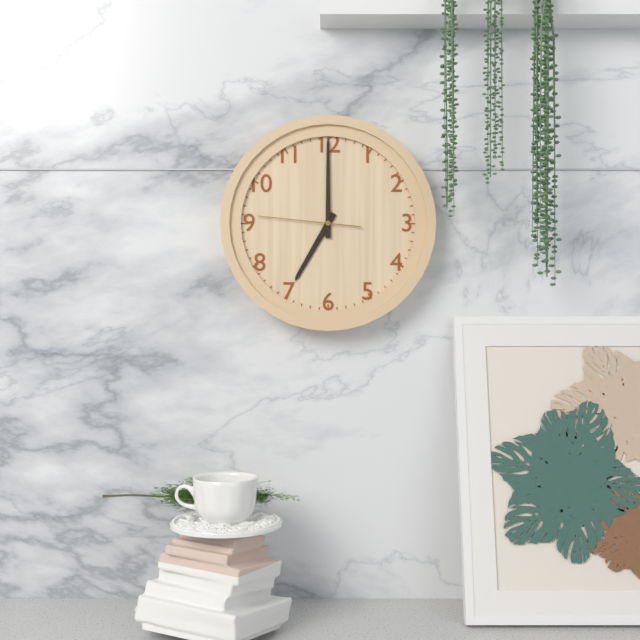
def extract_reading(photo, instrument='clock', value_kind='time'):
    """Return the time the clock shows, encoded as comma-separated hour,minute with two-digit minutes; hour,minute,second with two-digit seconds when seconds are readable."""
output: 7,00,46
